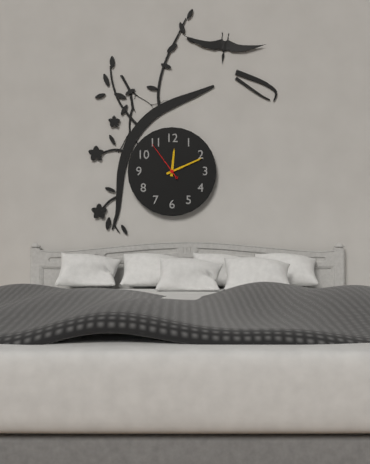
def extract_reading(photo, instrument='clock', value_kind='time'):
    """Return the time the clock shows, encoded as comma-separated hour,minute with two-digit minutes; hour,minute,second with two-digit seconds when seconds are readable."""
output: 12,11
